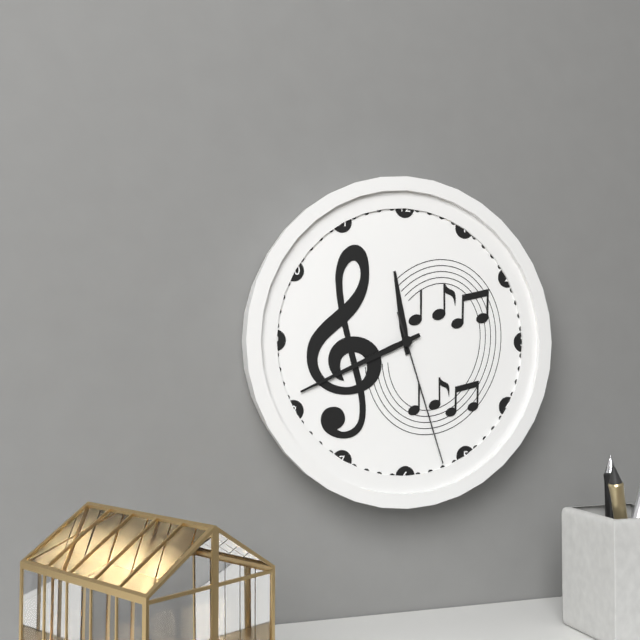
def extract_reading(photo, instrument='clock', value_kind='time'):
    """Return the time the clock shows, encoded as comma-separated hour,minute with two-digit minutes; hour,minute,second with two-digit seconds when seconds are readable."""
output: 11,41,27
